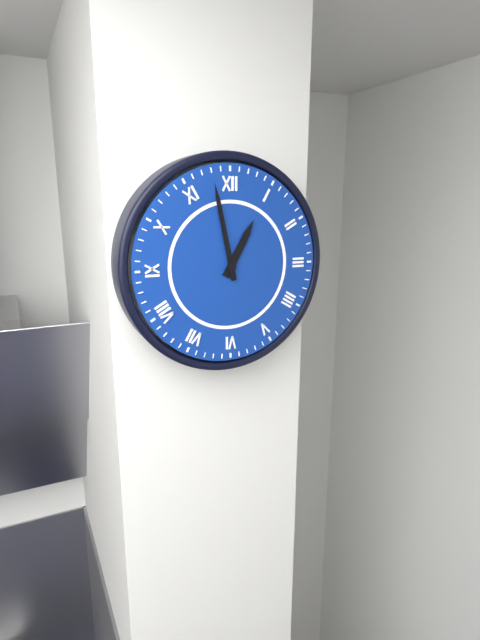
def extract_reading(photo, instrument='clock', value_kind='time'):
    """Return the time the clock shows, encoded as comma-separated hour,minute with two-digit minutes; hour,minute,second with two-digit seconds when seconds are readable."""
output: 12,58
